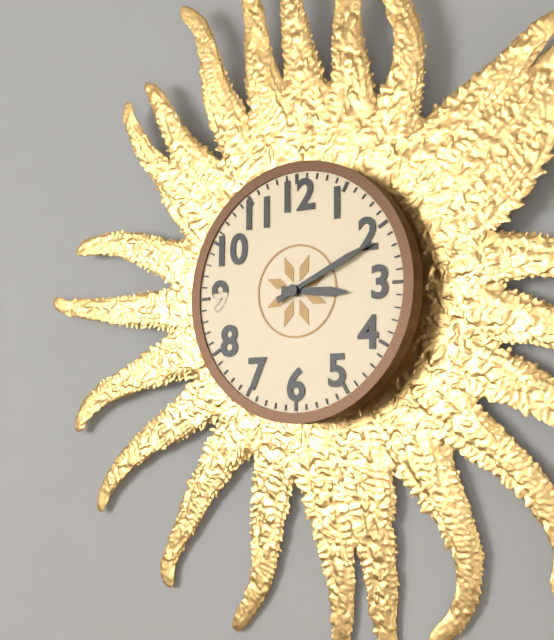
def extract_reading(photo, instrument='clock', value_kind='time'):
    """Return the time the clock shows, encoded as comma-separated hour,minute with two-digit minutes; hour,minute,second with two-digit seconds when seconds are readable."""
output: 3,11
